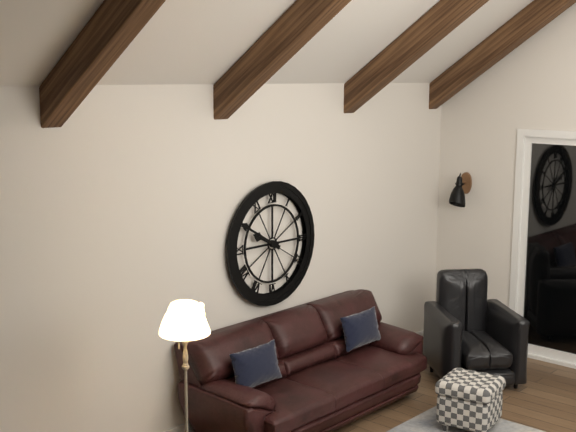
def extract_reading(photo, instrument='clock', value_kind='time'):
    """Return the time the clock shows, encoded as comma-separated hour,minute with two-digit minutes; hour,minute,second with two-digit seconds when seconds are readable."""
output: 9,50
